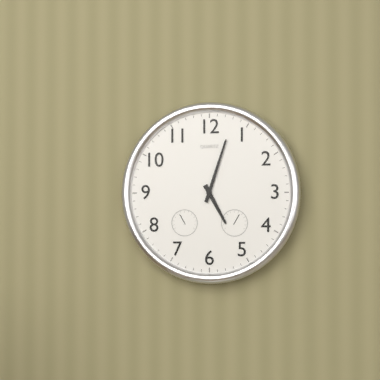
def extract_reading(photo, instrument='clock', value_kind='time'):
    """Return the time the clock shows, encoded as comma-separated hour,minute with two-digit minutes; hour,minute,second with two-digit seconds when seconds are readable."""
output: 5,03
